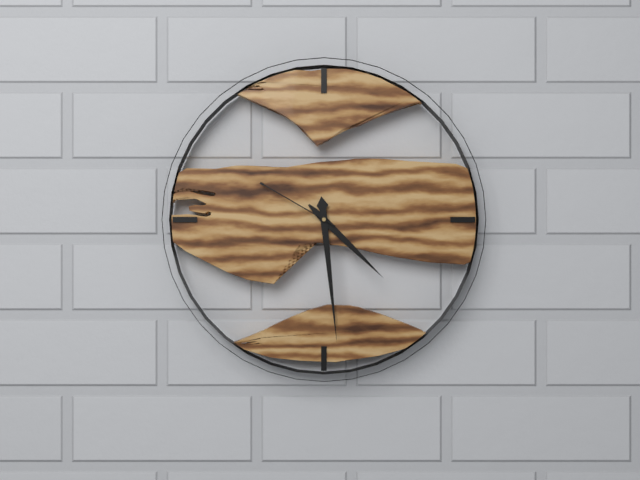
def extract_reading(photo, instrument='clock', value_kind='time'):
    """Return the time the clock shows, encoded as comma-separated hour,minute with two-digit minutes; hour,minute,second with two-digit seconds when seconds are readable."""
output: 4,29,50
